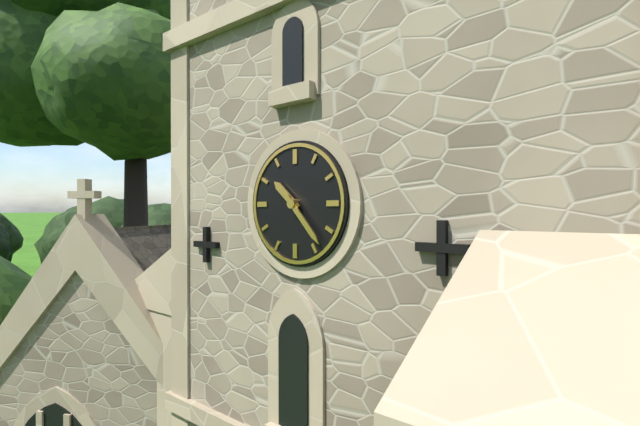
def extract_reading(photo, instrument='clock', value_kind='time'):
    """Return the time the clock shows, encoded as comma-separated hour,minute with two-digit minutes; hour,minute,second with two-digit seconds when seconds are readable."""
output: 10,23
